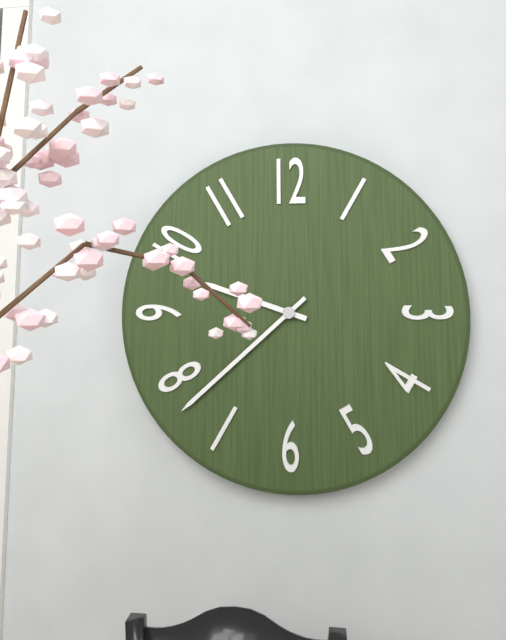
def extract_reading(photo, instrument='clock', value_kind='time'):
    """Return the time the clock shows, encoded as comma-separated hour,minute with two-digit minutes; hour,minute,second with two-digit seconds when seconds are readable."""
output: 9,38
